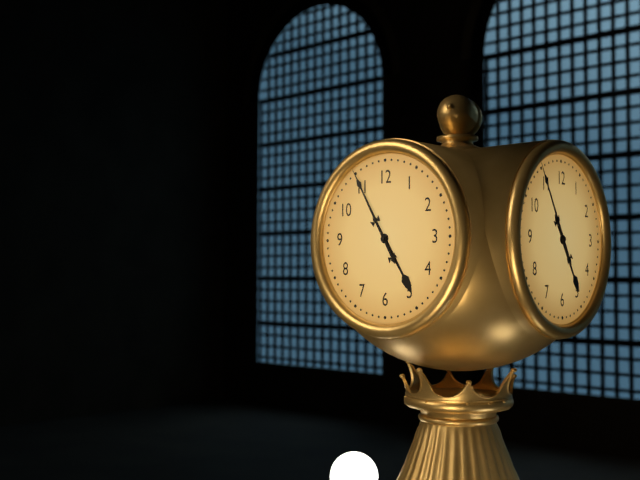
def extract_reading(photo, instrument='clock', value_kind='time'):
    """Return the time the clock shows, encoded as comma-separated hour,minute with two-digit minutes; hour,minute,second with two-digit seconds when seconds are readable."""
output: 4,55
